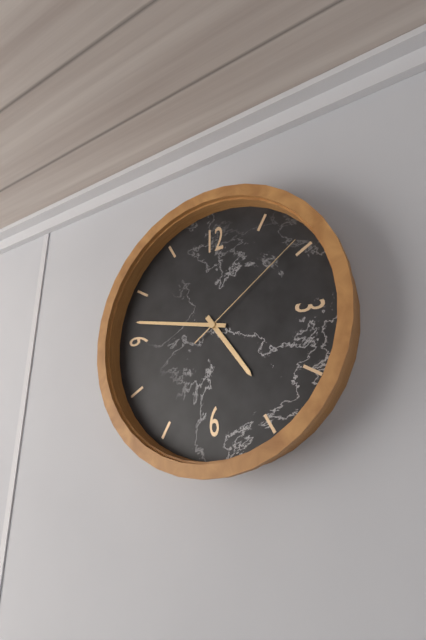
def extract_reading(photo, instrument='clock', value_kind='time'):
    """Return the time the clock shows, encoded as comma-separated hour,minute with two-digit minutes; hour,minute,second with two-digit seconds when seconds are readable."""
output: 4,47,09
